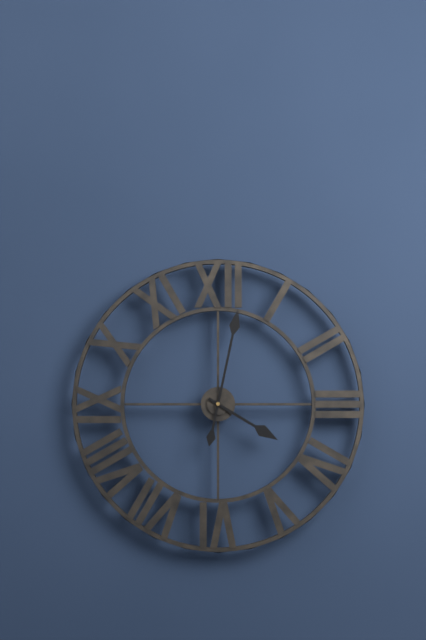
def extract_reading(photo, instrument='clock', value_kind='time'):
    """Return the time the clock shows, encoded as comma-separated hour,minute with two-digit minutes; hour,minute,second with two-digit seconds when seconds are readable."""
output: 4,02
